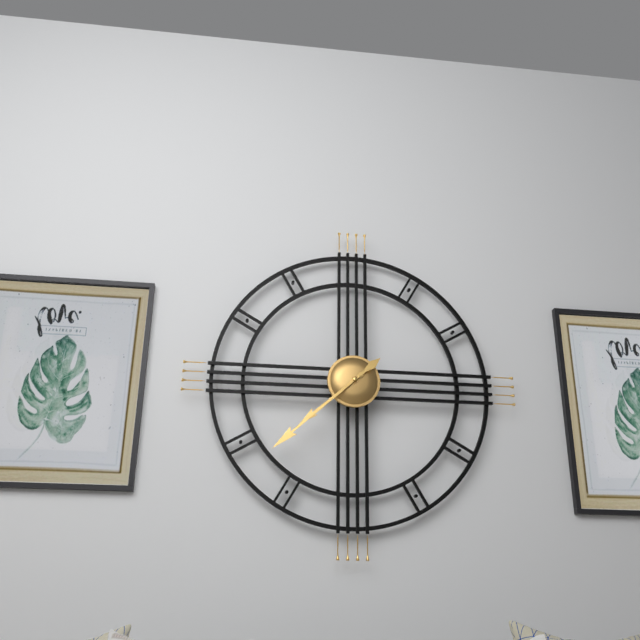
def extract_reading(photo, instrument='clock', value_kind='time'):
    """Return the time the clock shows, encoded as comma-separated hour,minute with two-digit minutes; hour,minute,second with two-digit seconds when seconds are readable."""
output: 7,38
